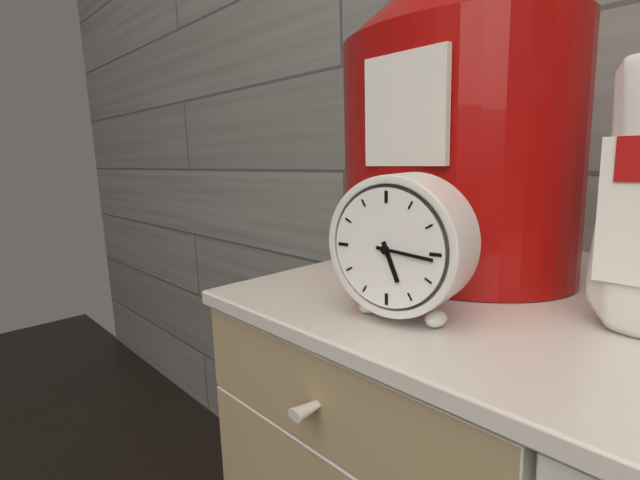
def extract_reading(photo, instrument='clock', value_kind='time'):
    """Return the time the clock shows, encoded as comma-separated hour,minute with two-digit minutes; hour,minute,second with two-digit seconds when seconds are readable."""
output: 5,16
